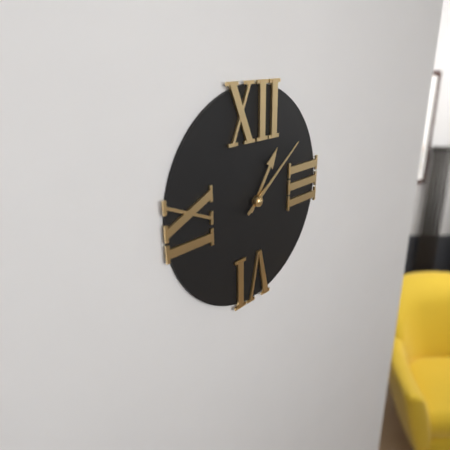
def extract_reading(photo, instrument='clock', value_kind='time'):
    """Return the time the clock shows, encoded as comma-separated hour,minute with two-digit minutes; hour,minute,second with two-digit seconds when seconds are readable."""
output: 1,09
